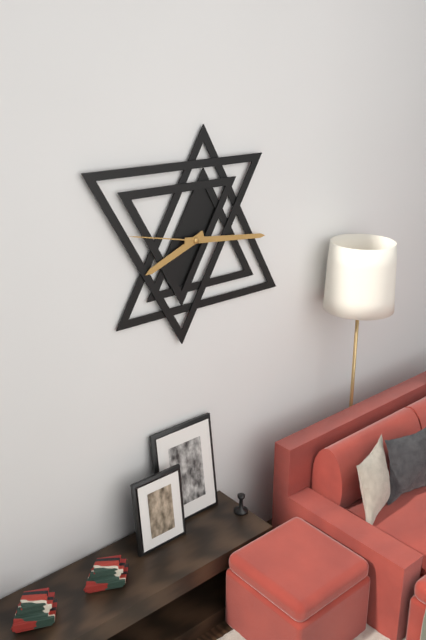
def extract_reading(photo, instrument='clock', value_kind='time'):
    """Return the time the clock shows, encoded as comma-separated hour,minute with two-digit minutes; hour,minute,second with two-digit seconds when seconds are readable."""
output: 8,16,47
